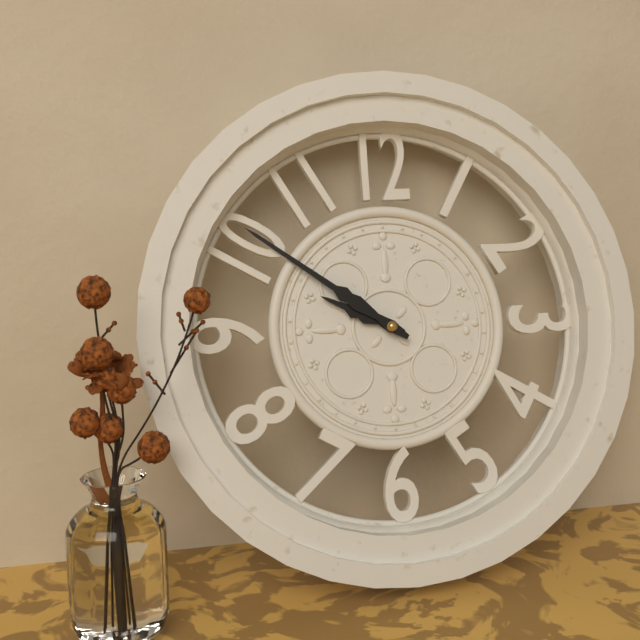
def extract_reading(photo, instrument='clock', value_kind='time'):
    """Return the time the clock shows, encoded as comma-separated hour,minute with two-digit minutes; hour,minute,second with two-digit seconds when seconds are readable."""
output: 9,51
